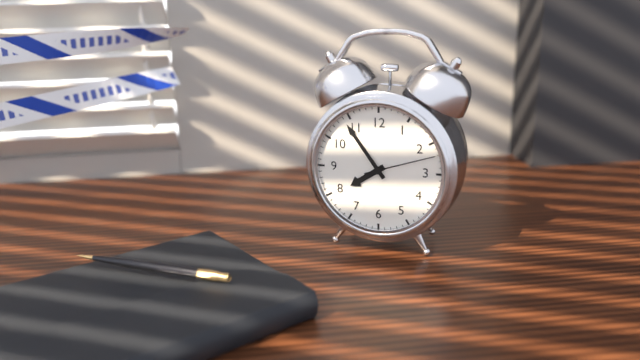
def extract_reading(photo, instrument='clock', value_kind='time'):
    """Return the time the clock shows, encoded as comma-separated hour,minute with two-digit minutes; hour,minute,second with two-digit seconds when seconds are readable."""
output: 7,54,12
